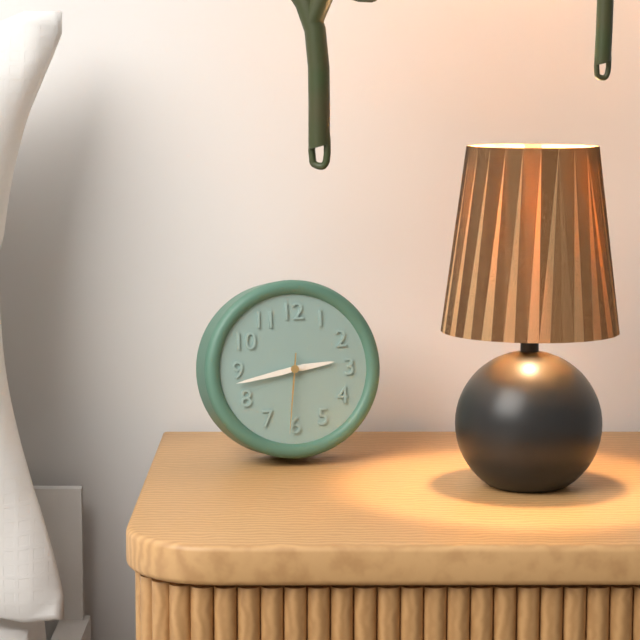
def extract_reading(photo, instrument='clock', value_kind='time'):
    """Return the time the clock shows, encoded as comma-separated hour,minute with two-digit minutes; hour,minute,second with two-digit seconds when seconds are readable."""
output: 2,43,31
